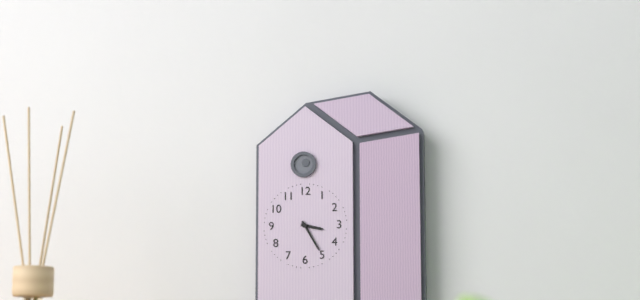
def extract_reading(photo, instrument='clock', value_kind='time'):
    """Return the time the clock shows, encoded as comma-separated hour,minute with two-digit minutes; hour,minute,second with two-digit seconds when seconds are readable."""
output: 3,25
